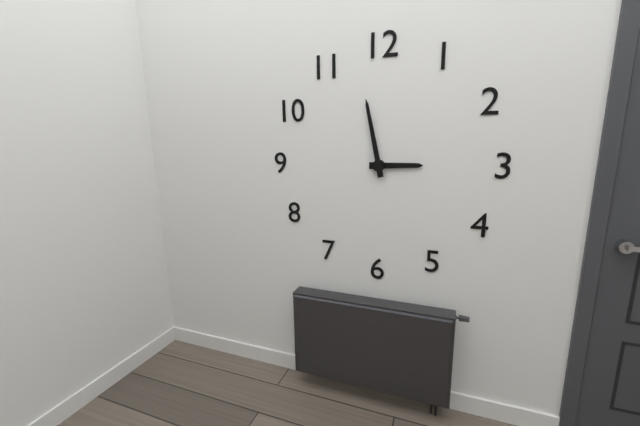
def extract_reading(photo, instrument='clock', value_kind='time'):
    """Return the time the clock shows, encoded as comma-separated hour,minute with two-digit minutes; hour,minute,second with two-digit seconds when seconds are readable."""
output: 2,58
